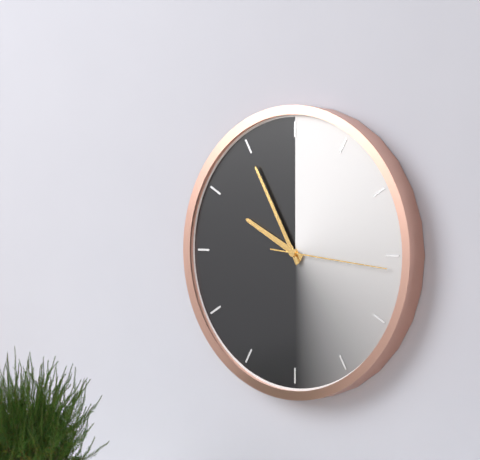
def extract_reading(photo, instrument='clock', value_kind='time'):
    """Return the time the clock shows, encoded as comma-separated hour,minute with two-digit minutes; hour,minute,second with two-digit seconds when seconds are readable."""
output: 9,55,16
